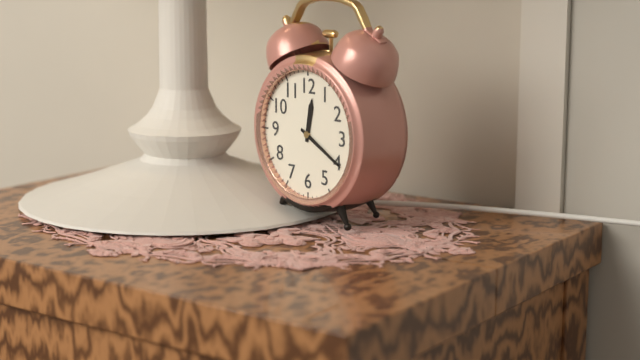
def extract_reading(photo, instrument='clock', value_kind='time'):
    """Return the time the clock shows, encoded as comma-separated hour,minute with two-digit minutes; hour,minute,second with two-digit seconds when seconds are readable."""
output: 12,20
